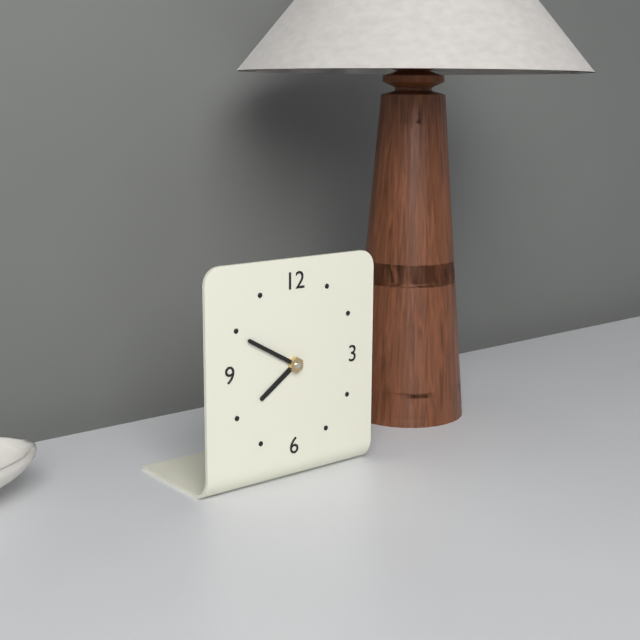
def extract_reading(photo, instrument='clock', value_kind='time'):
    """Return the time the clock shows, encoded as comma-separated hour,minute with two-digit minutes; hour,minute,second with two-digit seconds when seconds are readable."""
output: 7,50
